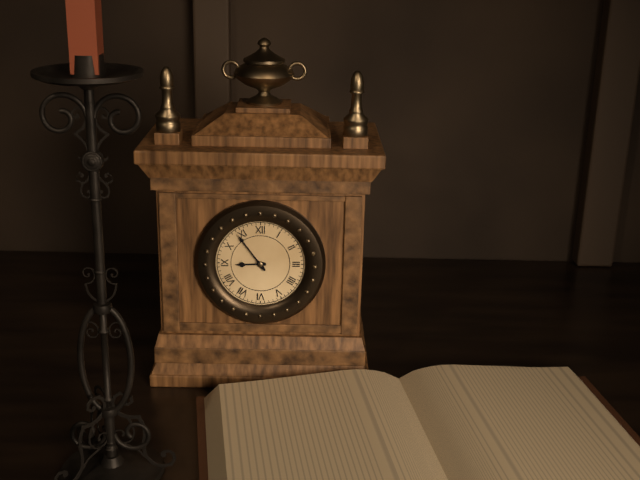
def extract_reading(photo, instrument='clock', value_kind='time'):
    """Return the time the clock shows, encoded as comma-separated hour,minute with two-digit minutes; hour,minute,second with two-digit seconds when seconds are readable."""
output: 8,54
